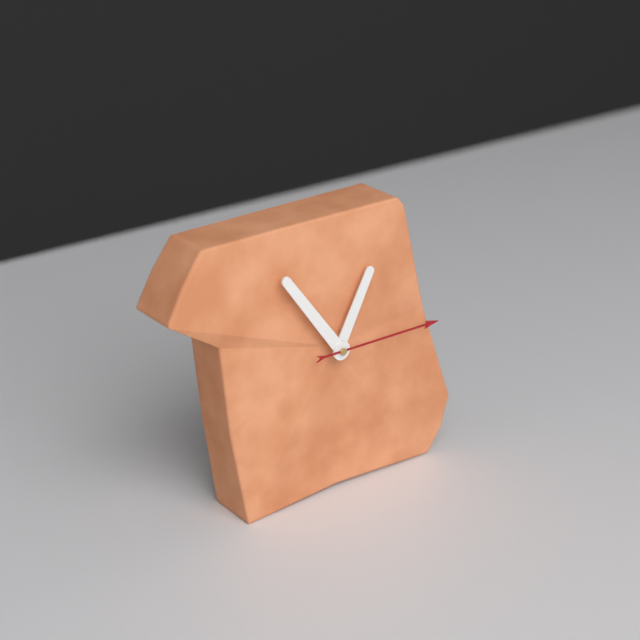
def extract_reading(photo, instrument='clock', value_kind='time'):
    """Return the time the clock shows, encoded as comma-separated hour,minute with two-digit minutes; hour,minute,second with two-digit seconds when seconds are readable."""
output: 12,54,15
